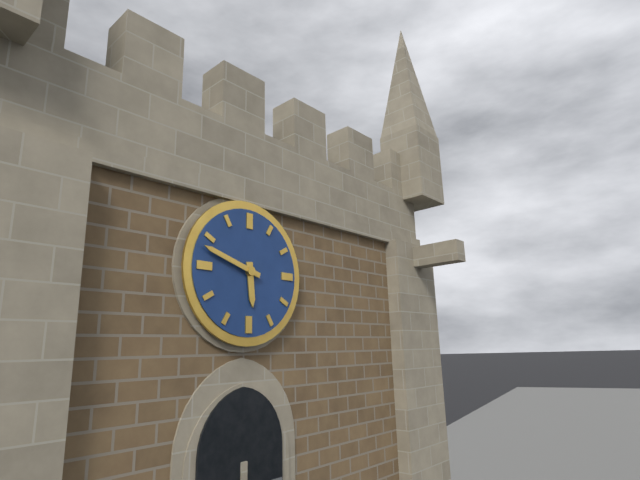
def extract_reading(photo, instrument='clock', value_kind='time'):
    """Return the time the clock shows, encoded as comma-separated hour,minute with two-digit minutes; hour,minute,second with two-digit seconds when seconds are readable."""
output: 5,48
